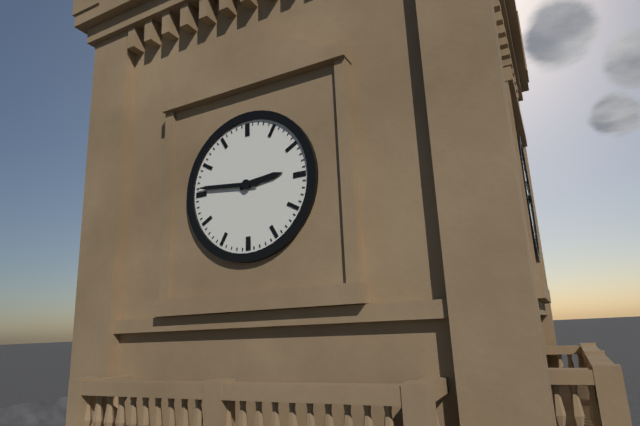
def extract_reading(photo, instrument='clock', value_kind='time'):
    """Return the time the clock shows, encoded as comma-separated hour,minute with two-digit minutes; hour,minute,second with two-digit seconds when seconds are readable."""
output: 2,46
